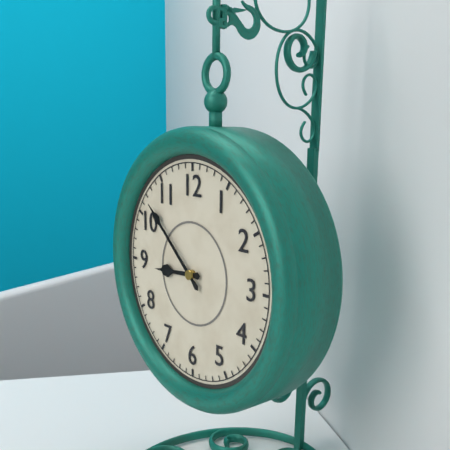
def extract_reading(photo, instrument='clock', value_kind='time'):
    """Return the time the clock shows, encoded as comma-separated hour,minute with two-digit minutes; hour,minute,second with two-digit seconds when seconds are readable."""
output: 8,52
